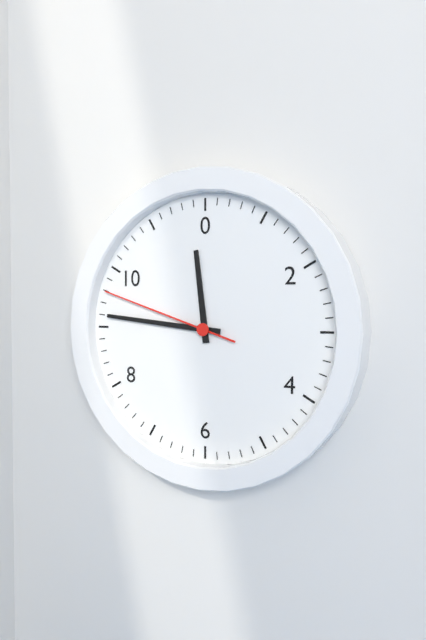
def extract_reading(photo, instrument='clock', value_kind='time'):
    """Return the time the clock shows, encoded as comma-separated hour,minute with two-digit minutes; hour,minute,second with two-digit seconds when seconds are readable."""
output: 11,46,48
